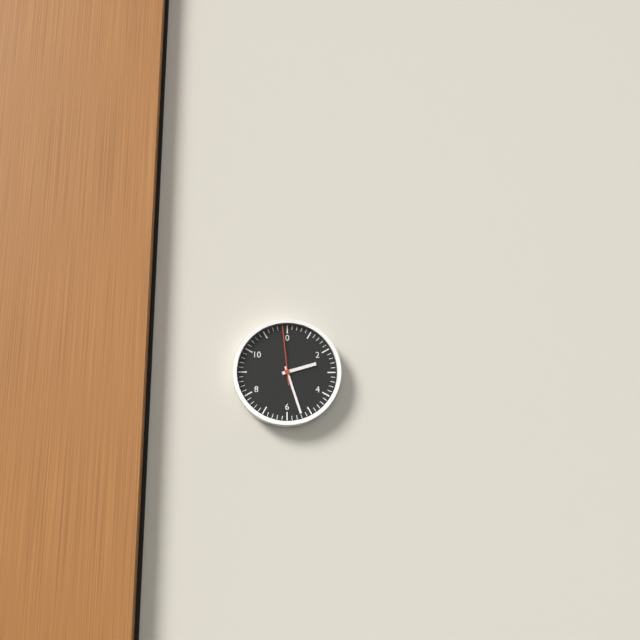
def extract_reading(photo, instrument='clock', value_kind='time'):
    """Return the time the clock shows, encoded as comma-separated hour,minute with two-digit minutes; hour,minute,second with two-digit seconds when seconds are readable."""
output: 2,27,59
